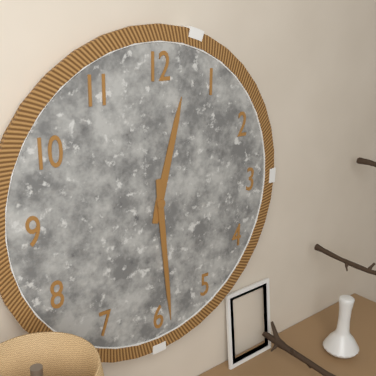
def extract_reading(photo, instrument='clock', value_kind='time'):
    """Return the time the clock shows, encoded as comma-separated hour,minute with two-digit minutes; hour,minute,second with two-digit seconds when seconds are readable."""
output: 12,29
